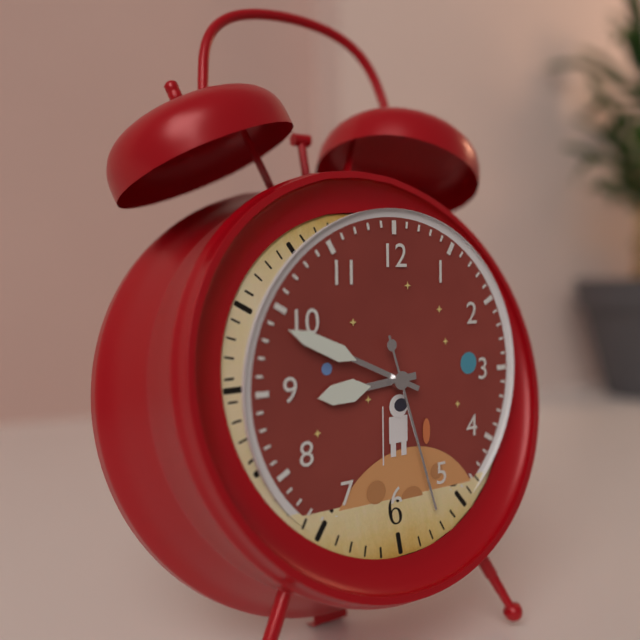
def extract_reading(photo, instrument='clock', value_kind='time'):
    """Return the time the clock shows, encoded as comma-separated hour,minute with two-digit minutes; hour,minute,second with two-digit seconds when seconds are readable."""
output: 8,49,27
